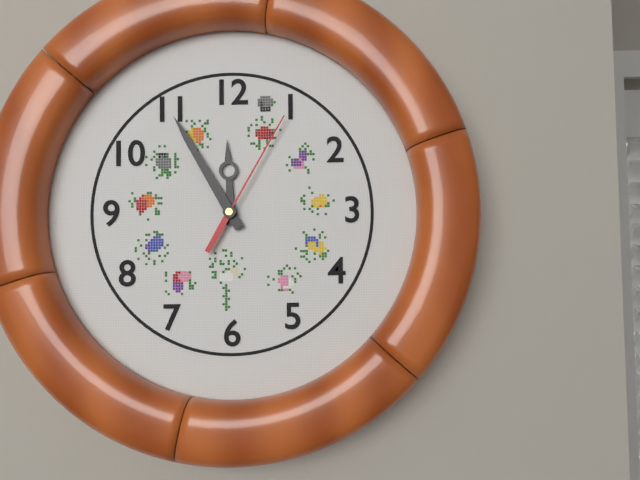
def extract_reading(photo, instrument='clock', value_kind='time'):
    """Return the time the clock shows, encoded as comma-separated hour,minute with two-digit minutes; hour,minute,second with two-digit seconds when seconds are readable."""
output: 11,55,05
